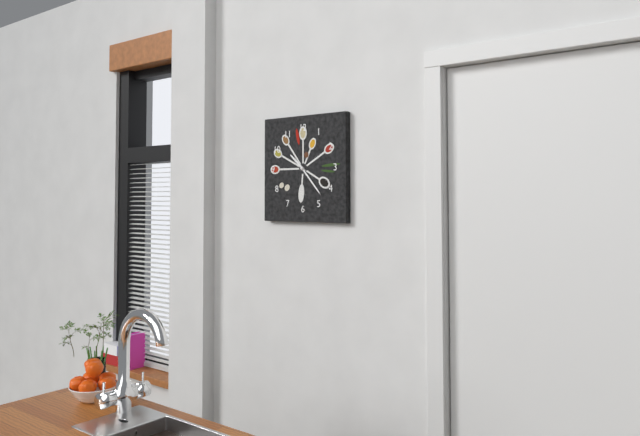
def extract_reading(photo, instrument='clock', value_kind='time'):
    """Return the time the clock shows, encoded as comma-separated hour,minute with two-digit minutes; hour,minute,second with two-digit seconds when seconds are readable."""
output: 10,23
